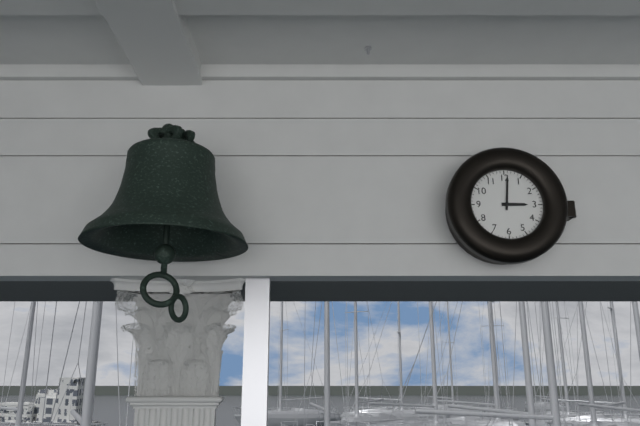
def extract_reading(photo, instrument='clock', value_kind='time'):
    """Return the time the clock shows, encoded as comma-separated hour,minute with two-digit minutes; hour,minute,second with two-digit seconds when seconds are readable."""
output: 3,01
